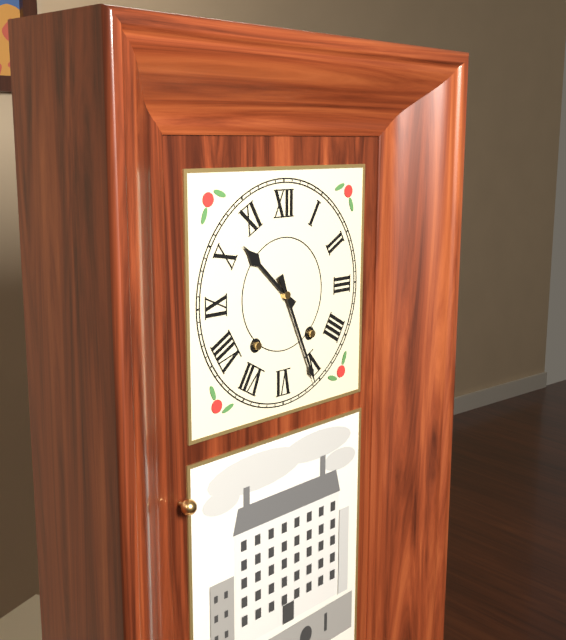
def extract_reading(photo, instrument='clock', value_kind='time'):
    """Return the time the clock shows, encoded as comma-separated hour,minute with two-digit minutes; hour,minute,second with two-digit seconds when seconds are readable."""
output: 10,26
